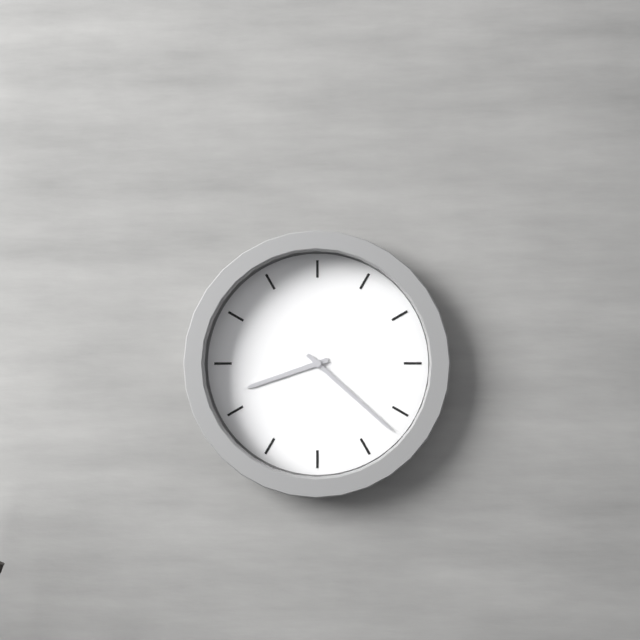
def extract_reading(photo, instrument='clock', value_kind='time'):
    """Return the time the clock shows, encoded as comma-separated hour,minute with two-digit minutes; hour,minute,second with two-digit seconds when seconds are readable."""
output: 8,22
